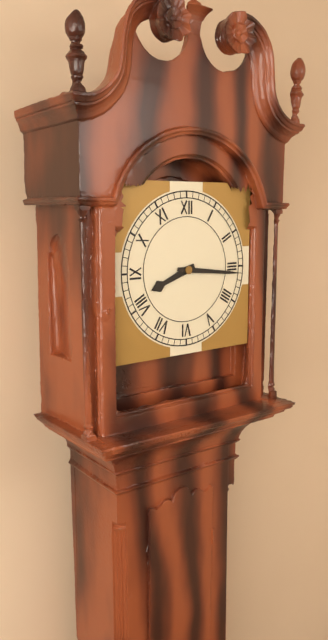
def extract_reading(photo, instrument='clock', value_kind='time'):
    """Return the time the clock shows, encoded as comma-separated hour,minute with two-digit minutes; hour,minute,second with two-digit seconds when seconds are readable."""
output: 8,16
